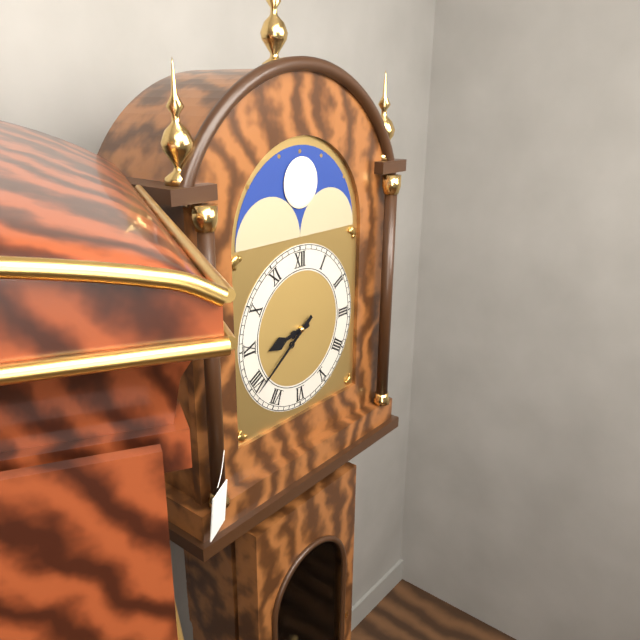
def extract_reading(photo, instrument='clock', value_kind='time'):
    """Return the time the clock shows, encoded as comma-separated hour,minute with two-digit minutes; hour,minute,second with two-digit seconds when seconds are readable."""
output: 8,39
